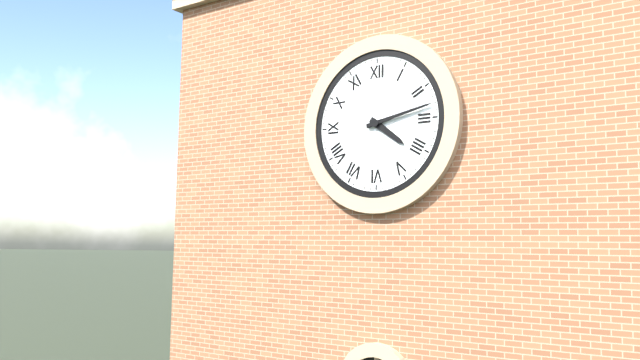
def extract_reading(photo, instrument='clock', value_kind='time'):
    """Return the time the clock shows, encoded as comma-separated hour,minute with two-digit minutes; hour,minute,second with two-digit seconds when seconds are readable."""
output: 4,13
